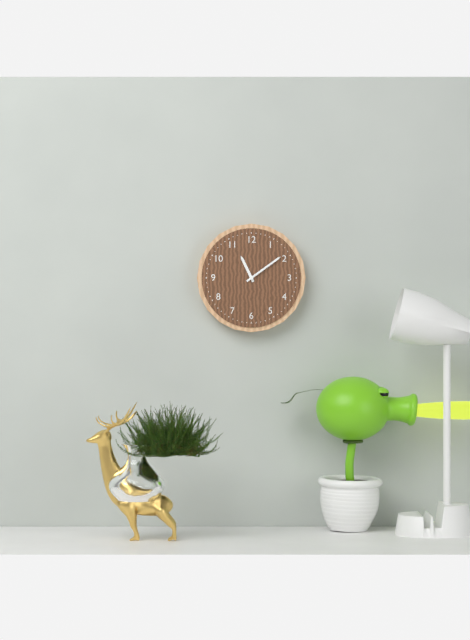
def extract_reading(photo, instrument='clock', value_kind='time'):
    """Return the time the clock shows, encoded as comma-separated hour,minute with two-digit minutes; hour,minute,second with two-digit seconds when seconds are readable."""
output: 11,09
